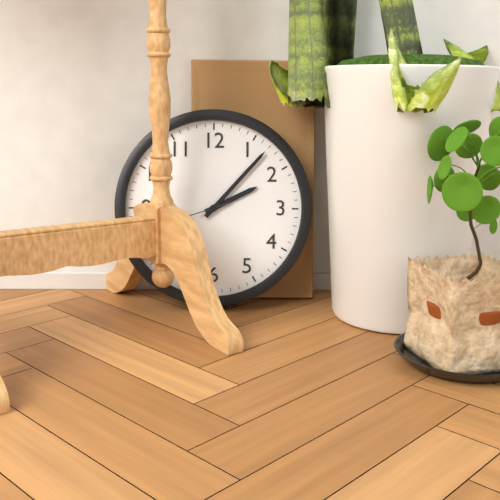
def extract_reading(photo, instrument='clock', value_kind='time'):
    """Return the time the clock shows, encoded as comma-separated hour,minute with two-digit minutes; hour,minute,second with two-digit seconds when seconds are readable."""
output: 2,07
